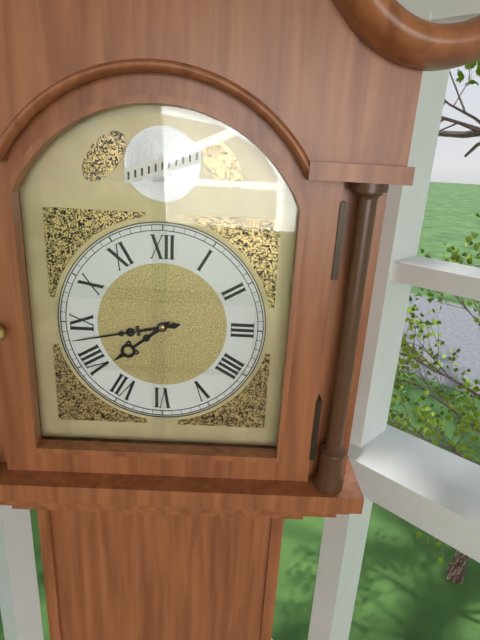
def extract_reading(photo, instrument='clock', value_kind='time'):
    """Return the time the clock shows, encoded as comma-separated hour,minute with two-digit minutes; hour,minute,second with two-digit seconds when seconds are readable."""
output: 7,43
